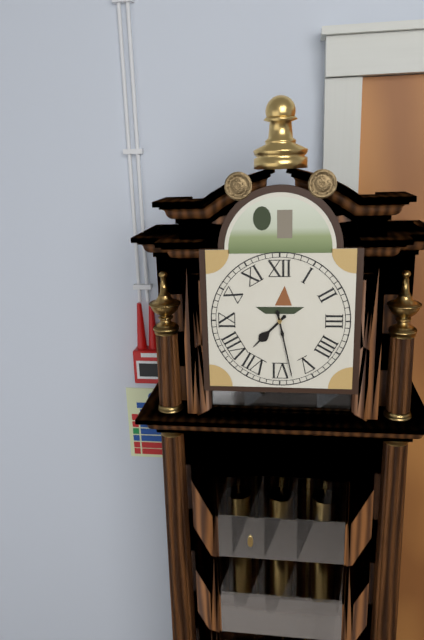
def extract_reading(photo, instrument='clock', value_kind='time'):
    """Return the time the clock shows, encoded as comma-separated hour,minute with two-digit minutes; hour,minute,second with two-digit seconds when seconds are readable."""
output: 7,28
